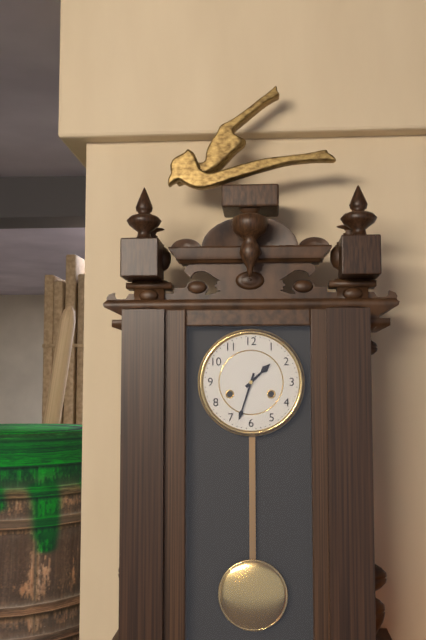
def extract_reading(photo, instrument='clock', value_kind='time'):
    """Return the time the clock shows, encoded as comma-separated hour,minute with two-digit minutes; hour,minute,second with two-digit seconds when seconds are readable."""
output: 1,33
